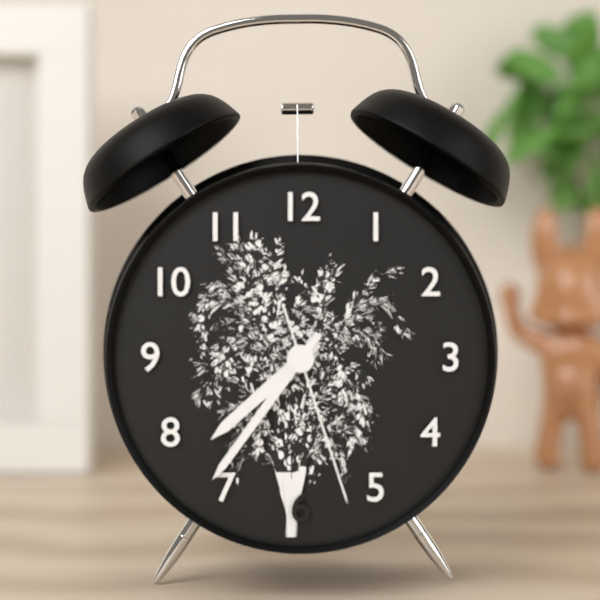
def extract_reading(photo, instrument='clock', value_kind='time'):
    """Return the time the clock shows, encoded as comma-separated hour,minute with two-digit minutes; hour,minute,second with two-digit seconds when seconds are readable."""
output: 7,36,27
